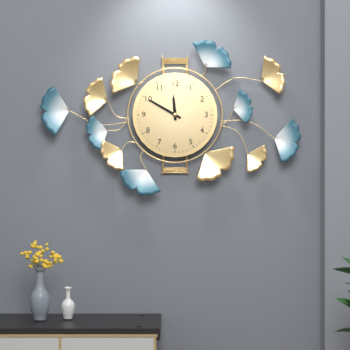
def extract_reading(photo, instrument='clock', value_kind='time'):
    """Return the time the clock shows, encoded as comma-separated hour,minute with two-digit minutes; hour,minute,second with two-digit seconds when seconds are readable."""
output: 11,50
